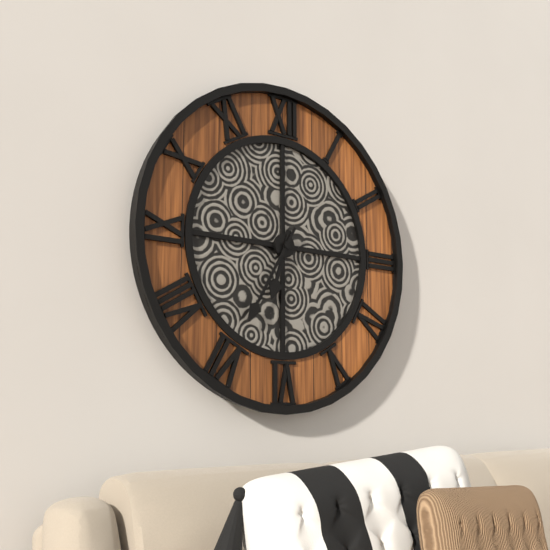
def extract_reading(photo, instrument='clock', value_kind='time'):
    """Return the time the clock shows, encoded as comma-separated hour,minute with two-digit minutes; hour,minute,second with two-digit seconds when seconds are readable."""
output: 6,35
